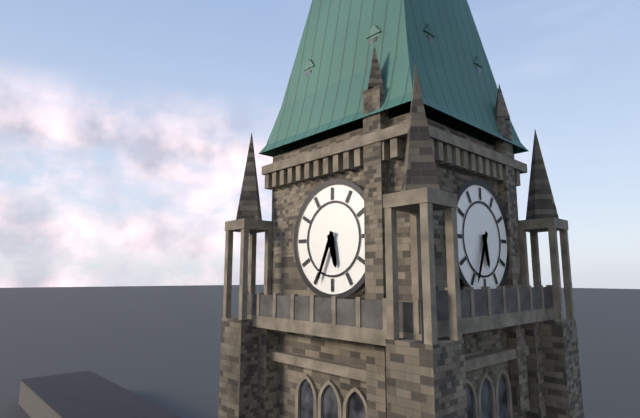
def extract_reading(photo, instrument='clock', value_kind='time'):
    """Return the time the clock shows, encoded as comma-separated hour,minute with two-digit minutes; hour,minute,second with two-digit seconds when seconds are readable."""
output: 5,34
